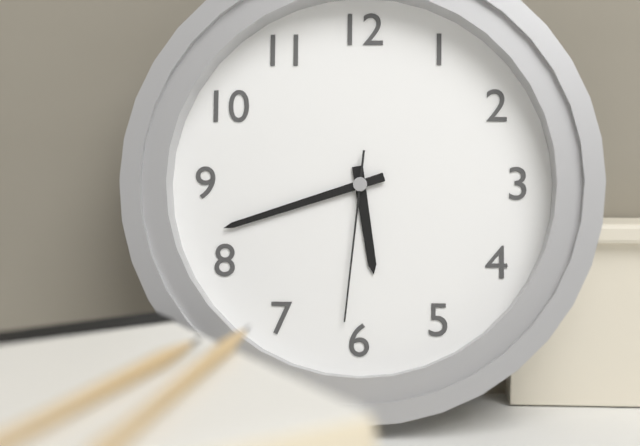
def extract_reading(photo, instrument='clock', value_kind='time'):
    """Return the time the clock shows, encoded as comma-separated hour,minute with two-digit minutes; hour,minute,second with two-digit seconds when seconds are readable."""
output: 5,42,31
